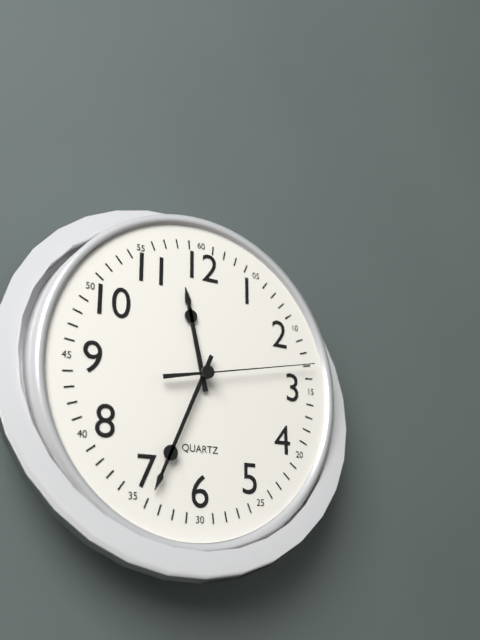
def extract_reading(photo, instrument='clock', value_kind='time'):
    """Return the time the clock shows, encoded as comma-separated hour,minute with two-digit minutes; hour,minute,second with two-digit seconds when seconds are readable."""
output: 11,34,13
